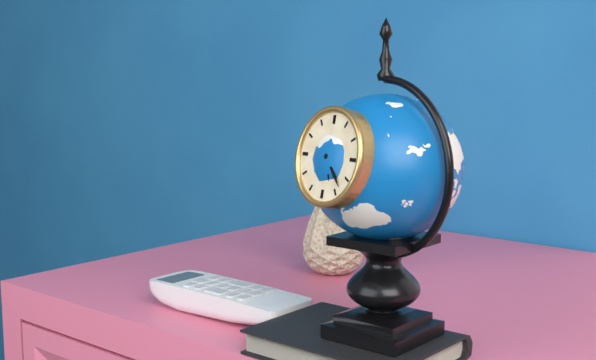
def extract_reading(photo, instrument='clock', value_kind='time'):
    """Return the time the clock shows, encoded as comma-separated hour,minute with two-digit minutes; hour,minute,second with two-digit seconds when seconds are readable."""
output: 5,23
